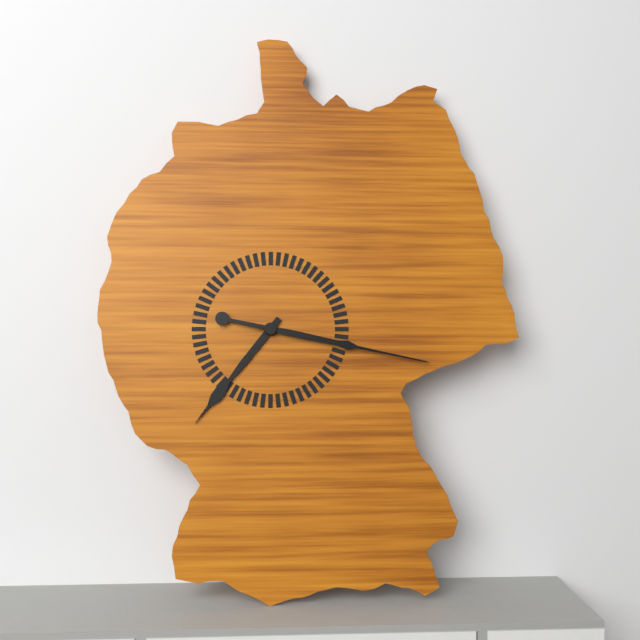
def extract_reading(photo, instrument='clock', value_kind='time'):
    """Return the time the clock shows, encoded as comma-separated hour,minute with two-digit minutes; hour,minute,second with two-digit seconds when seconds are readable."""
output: 7,17
